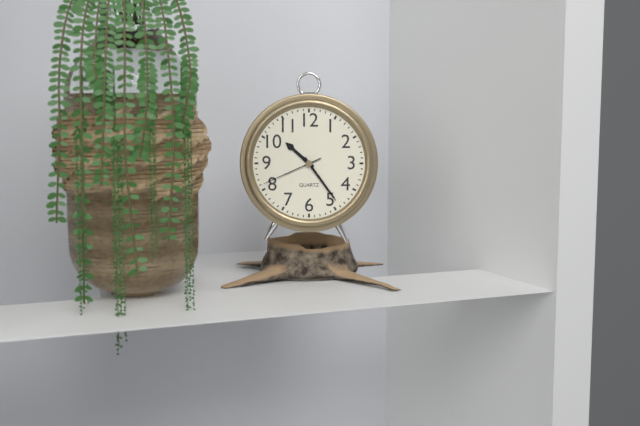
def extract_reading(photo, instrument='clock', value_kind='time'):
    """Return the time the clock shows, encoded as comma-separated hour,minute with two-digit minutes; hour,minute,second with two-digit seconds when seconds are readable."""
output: 10,24,41
